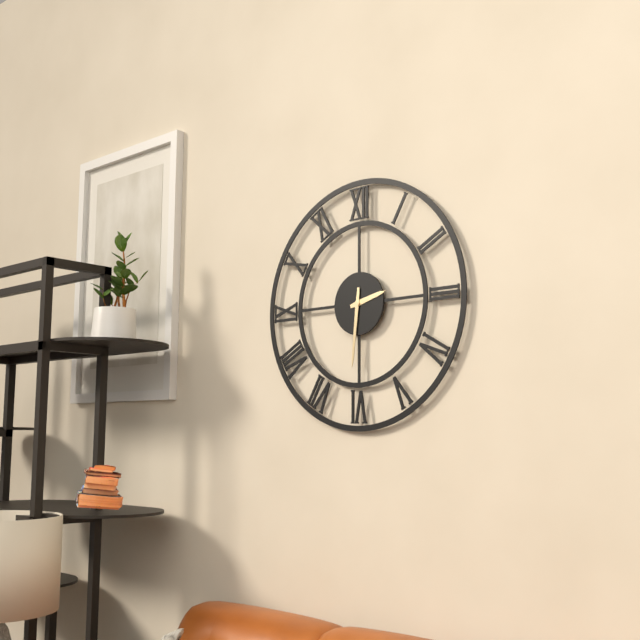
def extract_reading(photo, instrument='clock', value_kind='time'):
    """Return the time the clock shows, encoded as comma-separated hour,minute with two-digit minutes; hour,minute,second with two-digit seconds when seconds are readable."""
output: 2,31
